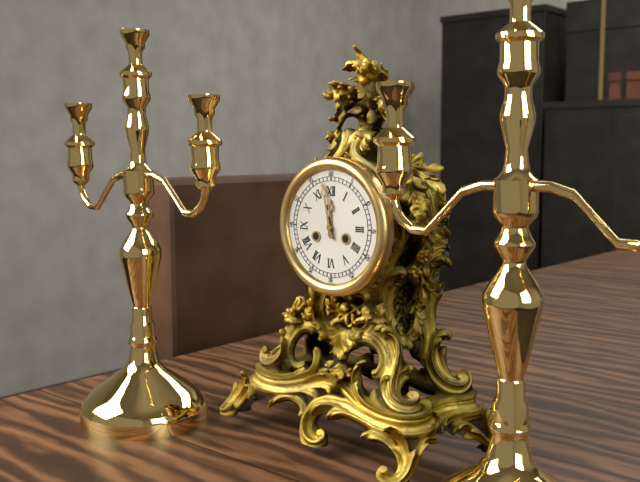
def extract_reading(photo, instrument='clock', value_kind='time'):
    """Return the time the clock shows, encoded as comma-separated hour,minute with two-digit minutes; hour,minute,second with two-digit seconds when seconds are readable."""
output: 11,58
